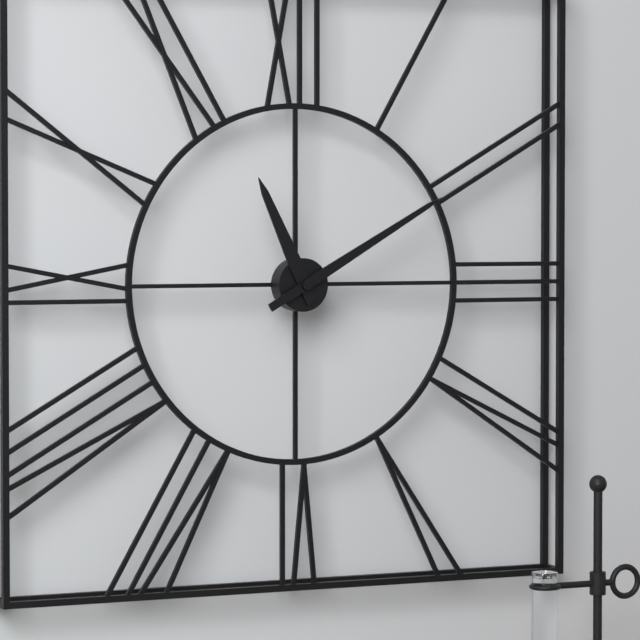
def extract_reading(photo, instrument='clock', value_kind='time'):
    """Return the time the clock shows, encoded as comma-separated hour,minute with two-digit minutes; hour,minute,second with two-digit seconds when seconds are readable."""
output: 11,10
